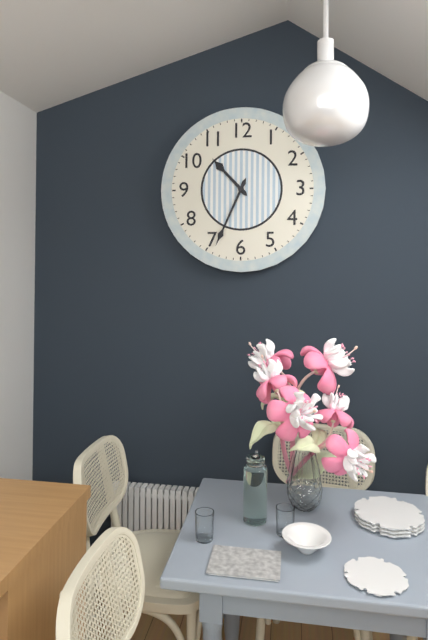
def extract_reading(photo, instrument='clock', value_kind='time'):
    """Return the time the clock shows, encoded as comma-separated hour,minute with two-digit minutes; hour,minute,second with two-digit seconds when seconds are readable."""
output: 10,34
